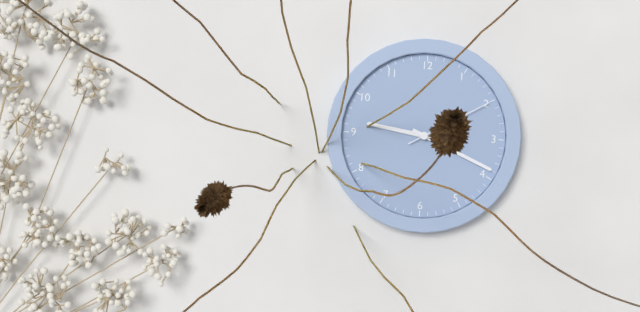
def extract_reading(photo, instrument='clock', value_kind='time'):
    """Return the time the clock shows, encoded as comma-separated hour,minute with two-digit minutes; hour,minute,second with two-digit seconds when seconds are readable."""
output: 9,19,10
